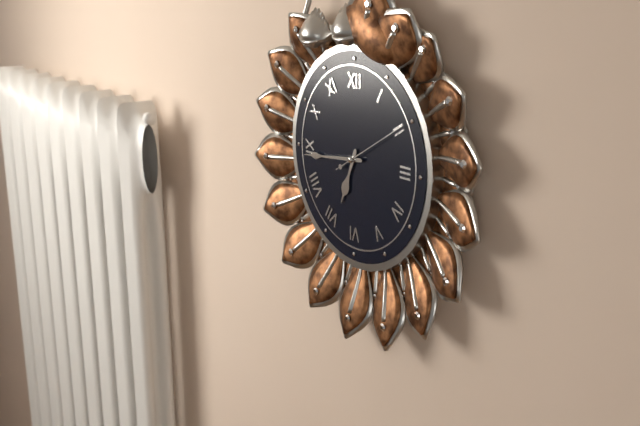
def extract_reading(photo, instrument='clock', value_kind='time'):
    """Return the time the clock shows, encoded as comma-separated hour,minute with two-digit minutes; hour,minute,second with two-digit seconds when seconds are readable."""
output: 6,44,10
